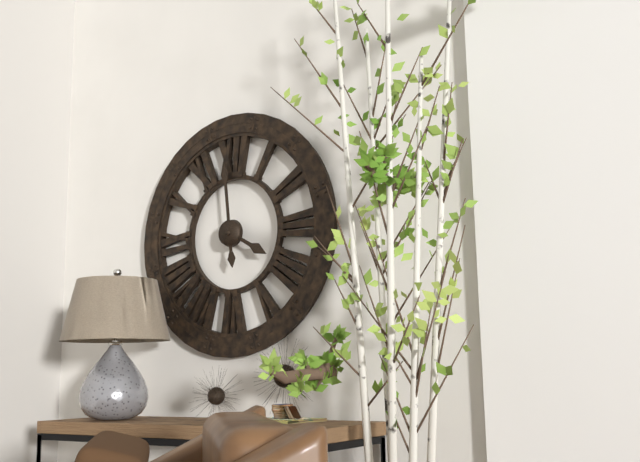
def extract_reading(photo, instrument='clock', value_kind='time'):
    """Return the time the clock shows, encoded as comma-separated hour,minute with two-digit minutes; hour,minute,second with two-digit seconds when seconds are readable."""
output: 3,59
